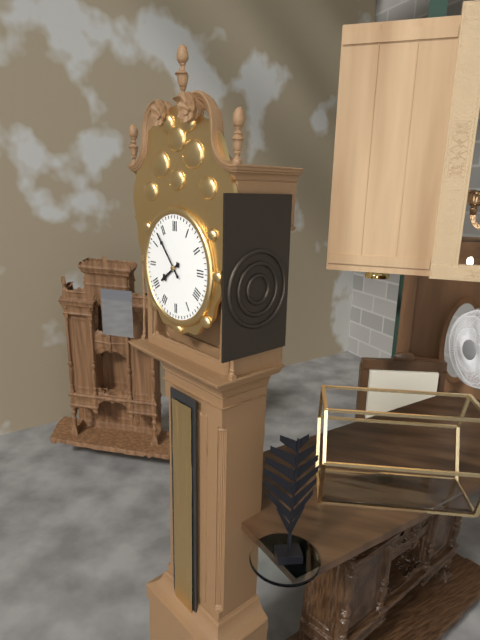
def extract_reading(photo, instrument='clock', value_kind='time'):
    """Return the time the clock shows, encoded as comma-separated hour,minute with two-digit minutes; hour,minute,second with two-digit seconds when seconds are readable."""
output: 7,53
